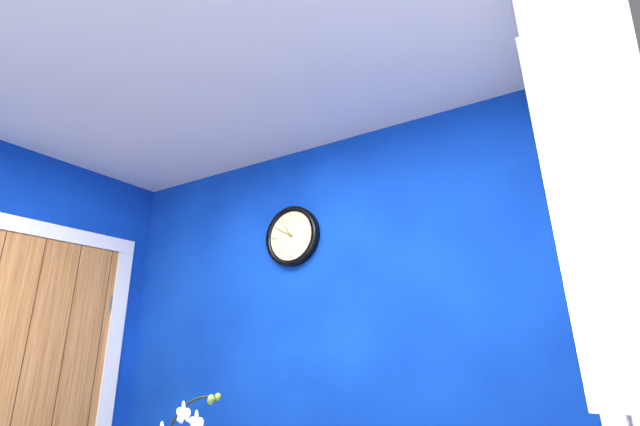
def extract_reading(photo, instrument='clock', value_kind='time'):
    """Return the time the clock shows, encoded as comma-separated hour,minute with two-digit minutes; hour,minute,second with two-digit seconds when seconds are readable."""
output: 10,50
